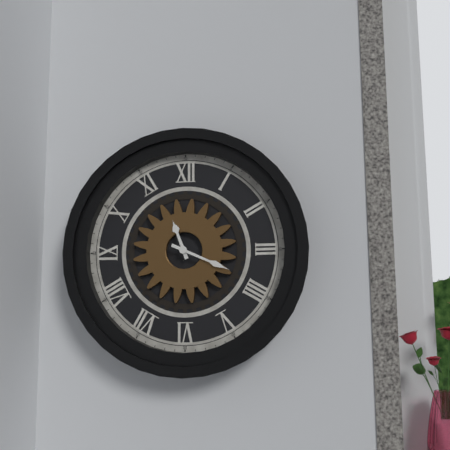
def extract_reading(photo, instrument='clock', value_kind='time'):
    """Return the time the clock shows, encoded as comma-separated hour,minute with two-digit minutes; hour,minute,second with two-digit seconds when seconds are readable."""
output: 11,19
